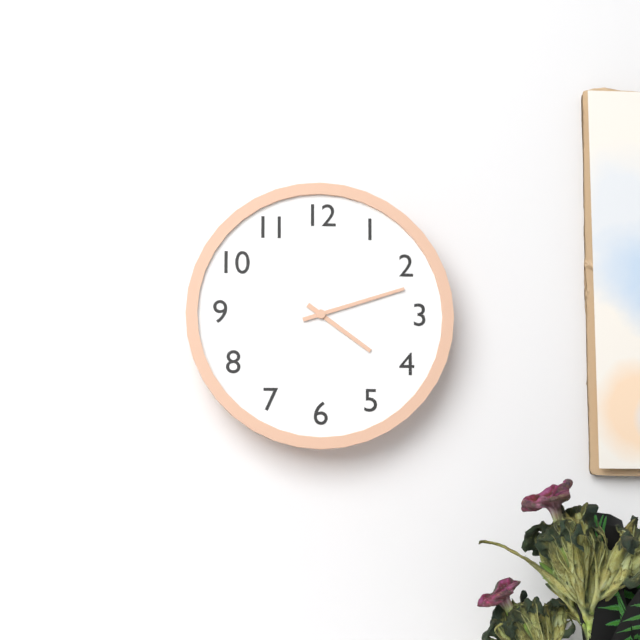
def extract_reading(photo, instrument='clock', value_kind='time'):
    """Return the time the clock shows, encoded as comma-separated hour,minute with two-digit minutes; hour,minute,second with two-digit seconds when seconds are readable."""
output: 4,12
